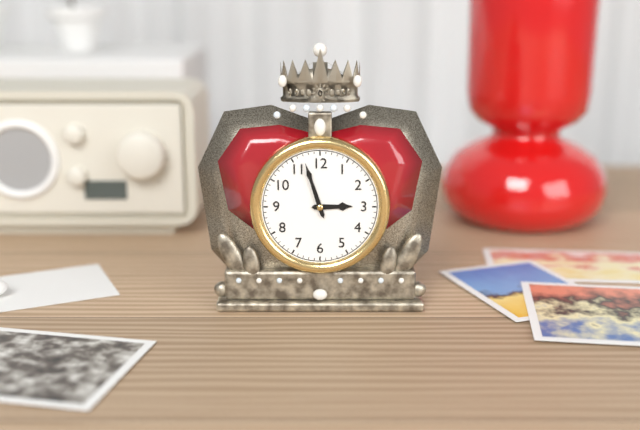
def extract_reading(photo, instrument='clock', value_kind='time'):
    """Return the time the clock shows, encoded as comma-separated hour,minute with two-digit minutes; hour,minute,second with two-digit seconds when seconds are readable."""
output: 2,57
